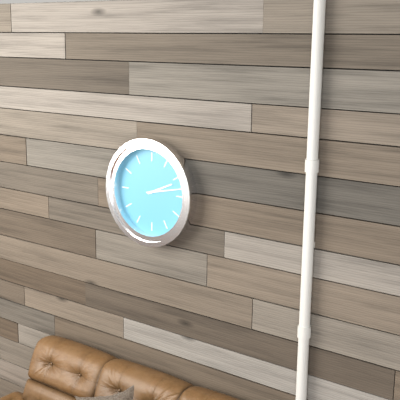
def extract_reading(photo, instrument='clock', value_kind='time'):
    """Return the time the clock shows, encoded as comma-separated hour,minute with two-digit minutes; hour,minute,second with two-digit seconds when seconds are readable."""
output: 2,13
